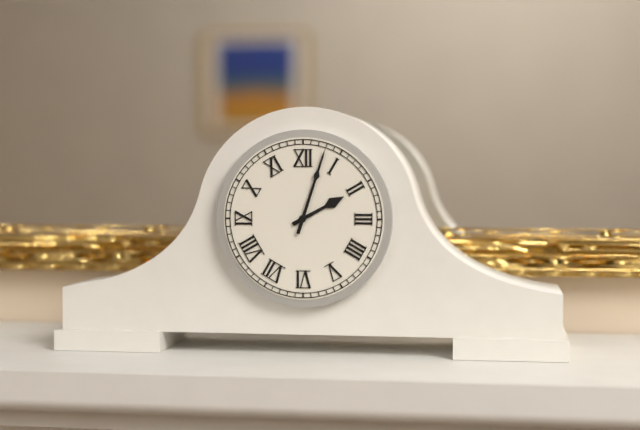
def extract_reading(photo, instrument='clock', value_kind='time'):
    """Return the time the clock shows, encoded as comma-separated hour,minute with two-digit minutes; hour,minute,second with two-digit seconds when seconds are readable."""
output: 2,03
